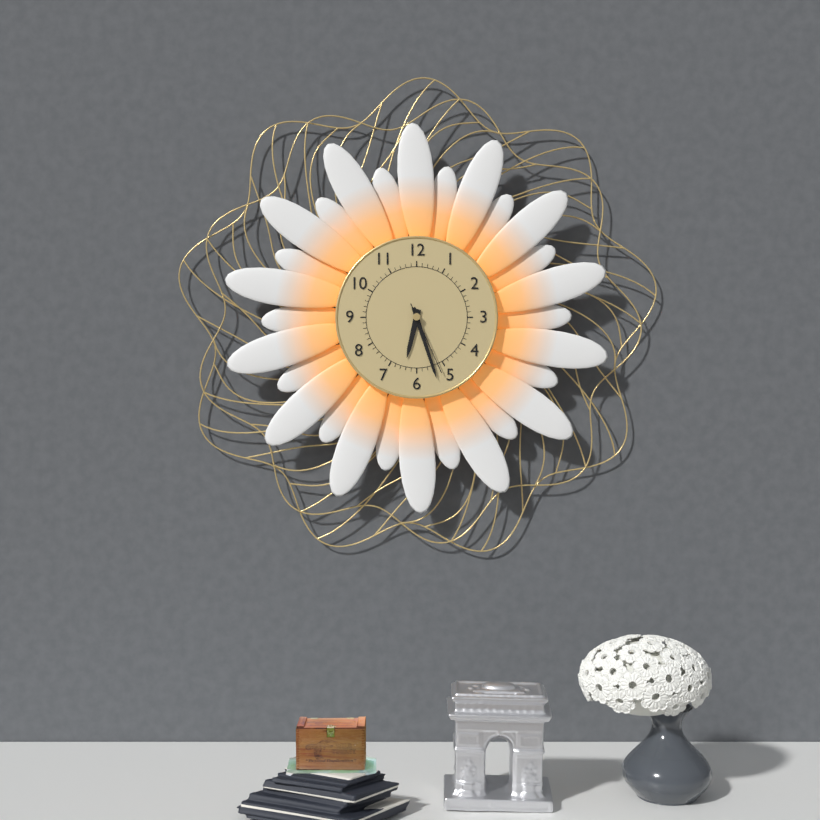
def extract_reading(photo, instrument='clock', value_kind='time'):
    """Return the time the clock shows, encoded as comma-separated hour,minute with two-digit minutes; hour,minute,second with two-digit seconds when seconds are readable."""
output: 6,27,26
